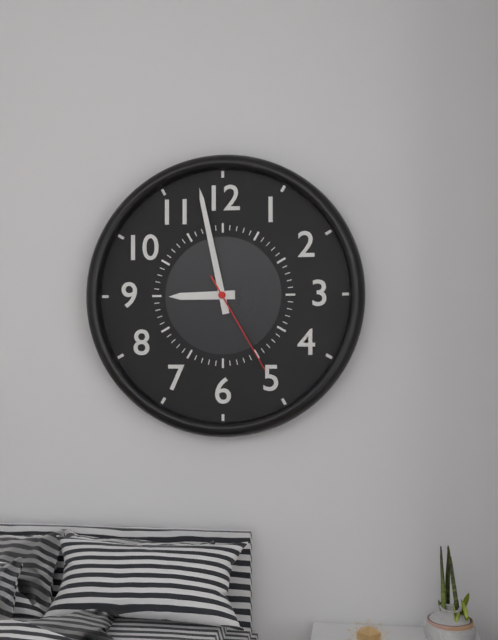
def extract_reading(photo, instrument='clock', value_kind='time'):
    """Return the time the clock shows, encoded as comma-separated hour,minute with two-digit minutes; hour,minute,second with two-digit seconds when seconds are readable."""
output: 8,58,25
